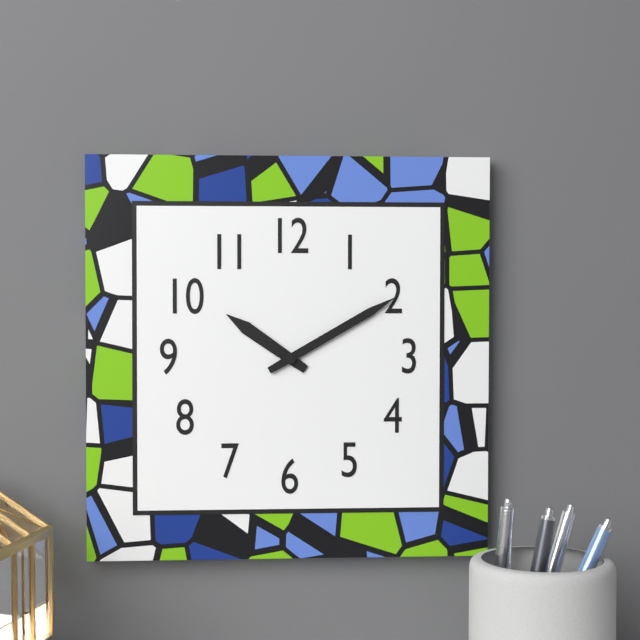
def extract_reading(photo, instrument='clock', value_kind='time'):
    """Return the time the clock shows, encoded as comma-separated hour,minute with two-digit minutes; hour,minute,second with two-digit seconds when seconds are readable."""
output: 10,10
